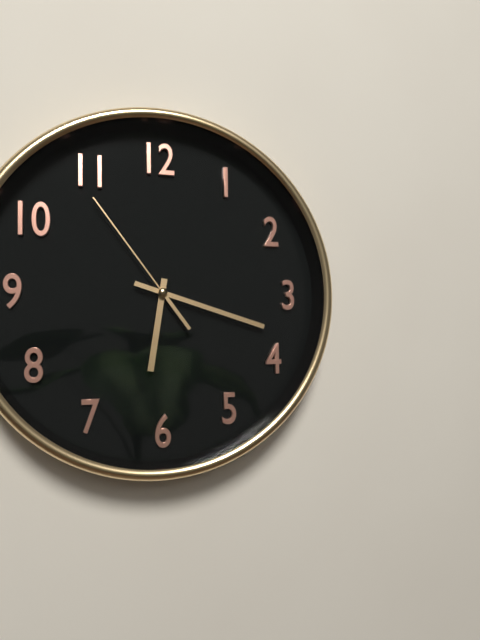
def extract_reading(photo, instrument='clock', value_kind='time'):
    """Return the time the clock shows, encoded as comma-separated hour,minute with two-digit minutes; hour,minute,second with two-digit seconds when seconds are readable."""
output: 6,18,54
